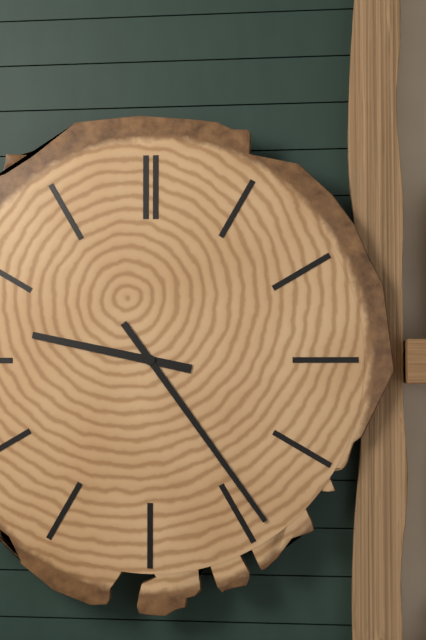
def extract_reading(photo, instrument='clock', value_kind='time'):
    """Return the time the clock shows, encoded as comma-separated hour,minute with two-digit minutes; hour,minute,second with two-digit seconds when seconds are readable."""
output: 9,24
